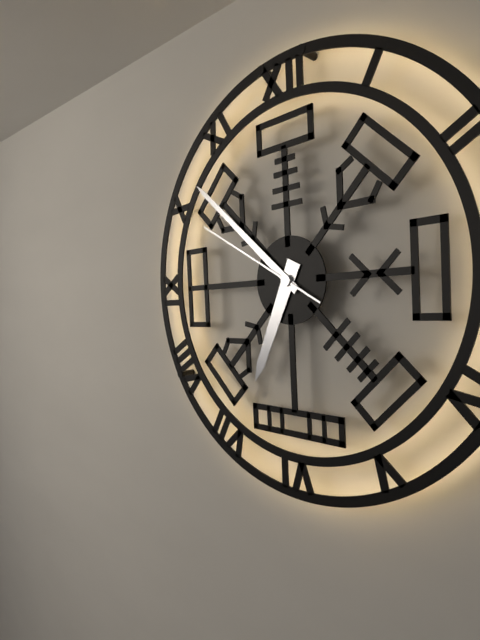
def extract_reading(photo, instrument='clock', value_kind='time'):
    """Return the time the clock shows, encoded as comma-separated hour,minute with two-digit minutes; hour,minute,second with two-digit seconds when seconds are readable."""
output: 6,52,50
